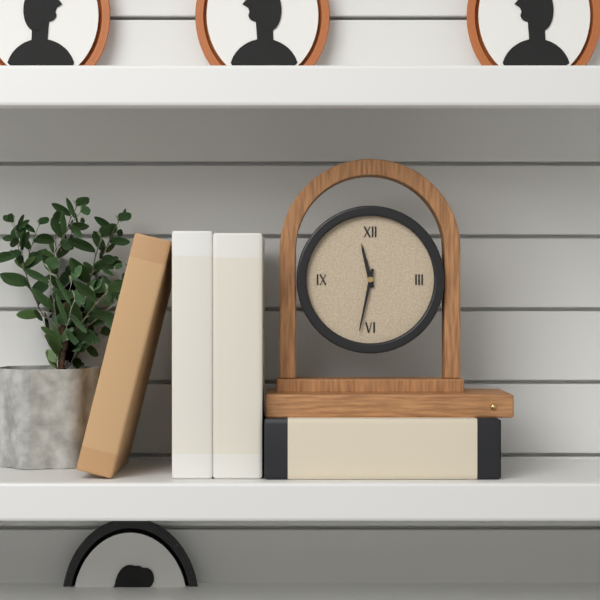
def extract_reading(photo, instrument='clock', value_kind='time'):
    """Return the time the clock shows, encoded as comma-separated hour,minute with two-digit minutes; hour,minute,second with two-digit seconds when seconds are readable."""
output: 11,32
